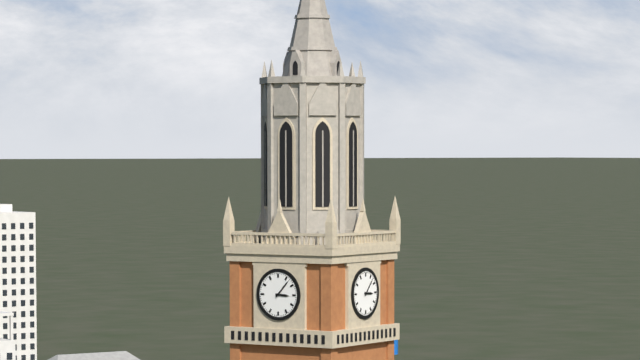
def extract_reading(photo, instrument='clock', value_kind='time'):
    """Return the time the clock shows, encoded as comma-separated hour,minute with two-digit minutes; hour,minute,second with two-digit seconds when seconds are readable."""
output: 3,07
